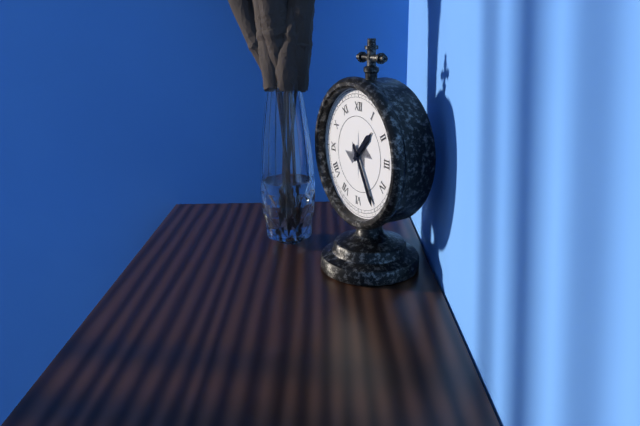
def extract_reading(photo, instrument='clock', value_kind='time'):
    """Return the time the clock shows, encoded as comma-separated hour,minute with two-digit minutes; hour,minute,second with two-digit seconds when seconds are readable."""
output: 1,25
